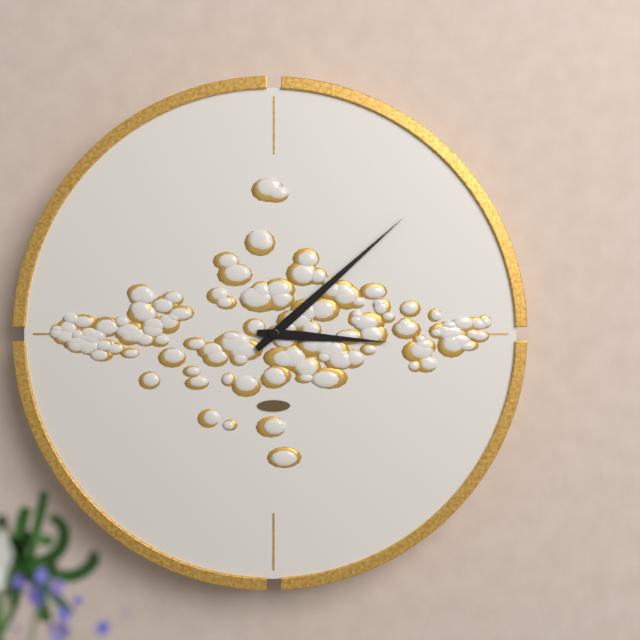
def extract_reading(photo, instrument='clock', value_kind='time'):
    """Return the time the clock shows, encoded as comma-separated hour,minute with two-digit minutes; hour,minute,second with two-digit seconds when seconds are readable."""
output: 3,08
